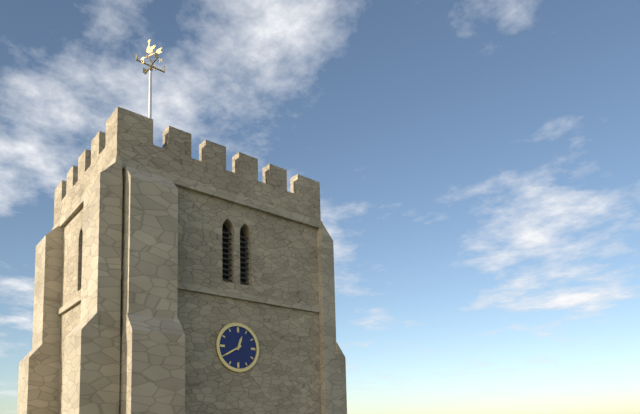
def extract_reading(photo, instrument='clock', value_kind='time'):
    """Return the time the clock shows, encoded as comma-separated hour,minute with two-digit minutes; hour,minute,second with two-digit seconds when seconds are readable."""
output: 12,40
